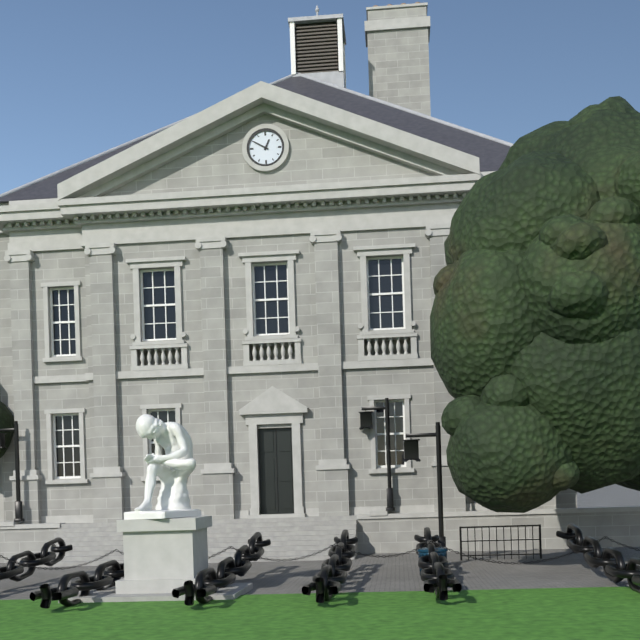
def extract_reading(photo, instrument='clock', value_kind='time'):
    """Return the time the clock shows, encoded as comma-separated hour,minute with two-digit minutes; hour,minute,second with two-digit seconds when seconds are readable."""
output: 12,50
